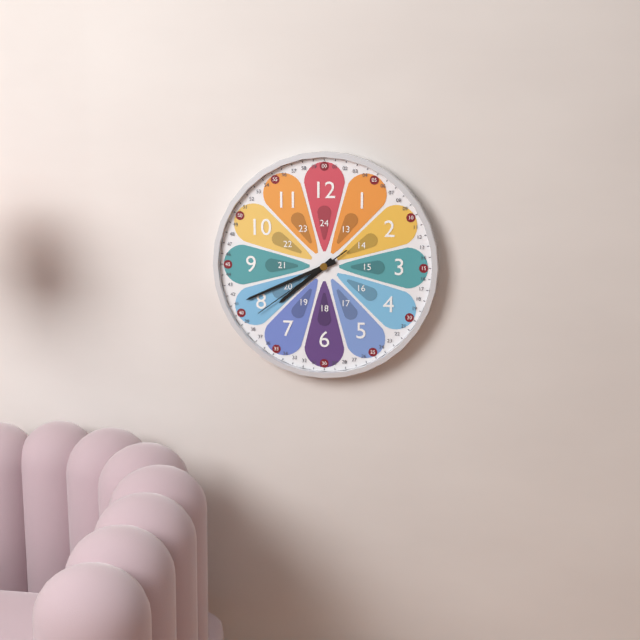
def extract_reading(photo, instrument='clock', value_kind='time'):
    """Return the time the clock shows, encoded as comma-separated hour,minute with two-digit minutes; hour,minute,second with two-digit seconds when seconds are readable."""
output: 7,41,39
